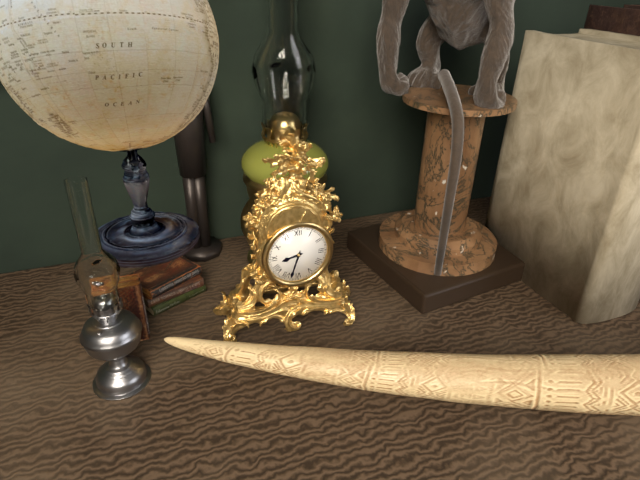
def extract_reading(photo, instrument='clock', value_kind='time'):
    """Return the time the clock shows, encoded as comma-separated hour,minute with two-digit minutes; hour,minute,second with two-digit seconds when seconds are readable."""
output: 8,33
